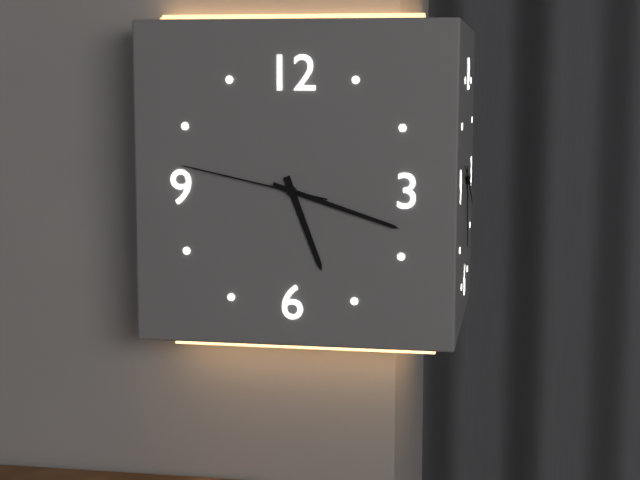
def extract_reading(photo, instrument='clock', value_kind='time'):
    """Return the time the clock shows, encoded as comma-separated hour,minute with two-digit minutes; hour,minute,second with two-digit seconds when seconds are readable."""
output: 5,18,47
